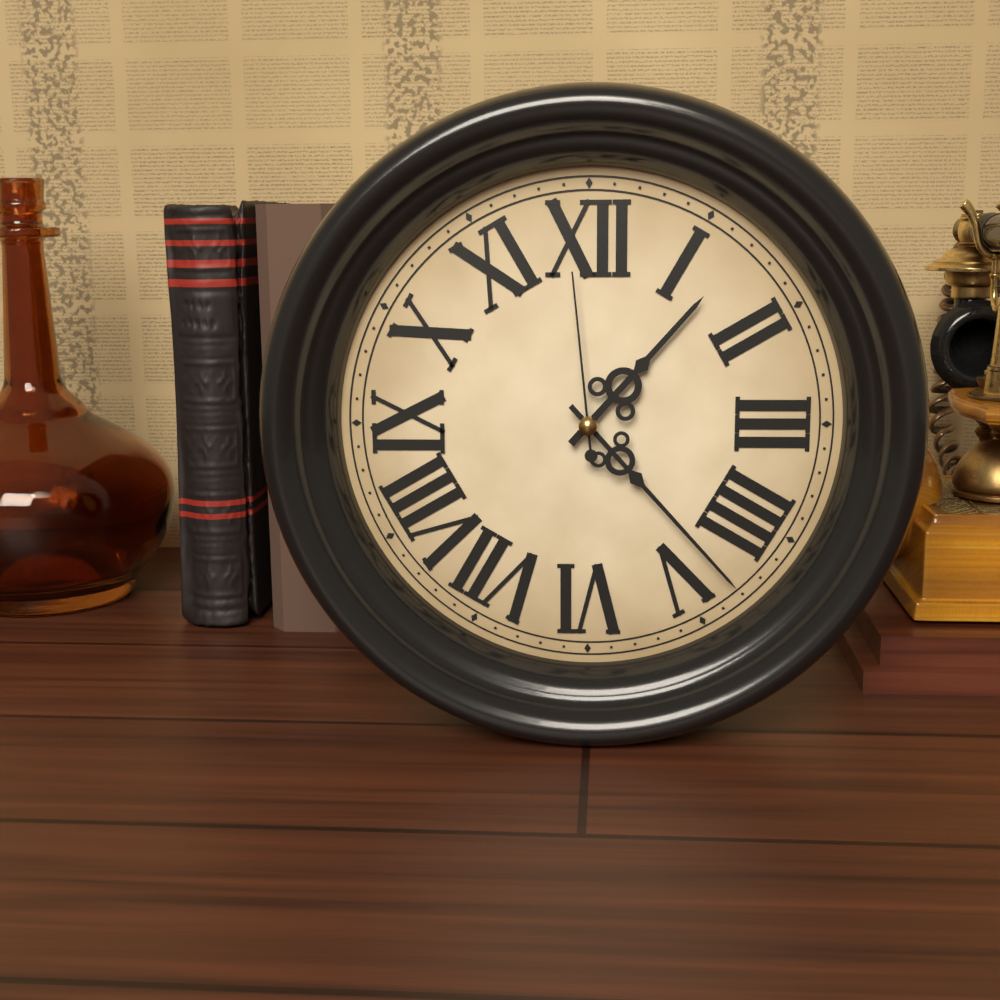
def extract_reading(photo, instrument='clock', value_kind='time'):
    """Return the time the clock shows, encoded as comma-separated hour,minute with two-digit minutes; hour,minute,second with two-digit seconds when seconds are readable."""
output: 1,23,59
